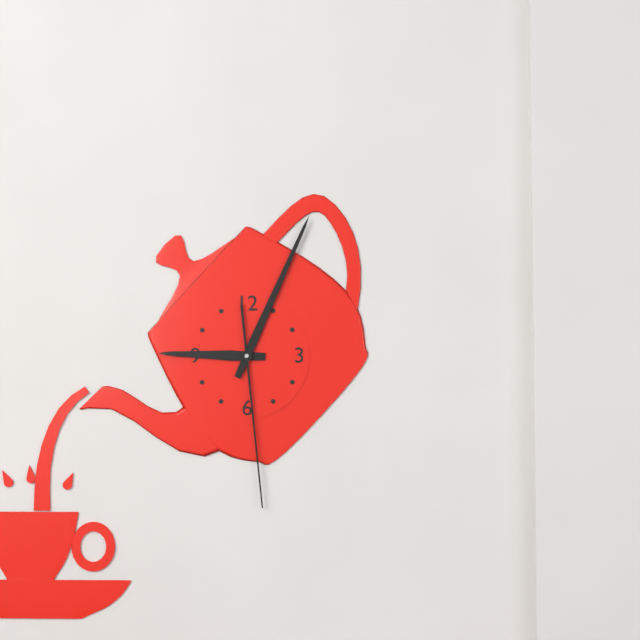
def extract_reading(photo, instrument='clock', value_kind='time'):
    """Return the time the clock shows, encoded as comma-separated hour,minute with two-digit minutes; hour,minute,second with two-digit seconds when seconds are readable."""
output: 9,04,29
